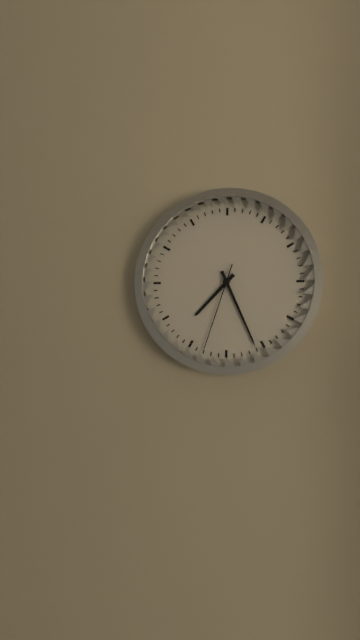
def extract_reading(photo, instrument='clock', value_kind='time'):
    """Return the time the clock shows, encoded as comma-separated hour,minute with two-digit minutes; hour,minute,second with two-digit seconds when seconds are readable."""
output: 7,26,33
